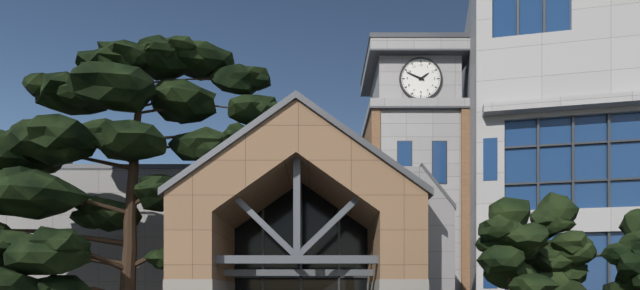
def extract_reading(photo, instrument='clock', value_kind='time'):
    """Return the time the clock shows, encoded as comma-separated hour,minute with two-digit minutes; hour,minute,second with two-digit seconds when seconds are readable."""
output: 1,49
